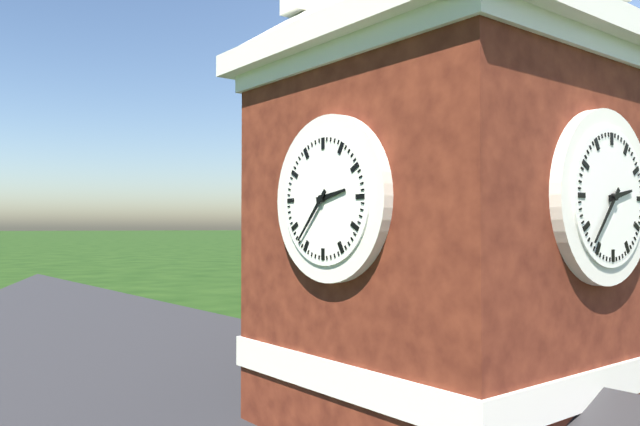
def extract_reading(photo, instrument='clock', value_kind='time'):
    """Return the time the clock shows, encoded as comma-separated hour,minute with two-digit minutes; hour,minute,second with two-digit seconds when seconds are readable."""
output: 2,37
